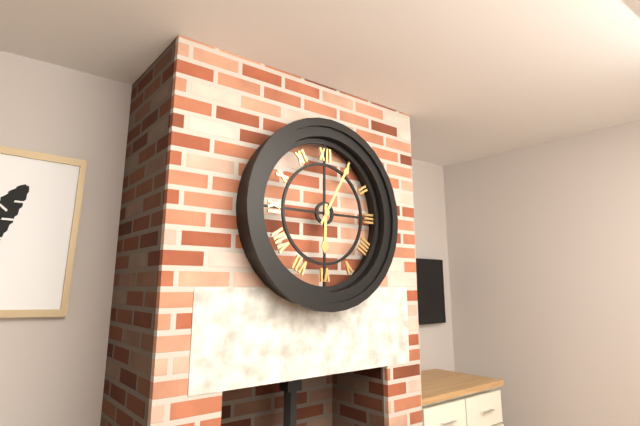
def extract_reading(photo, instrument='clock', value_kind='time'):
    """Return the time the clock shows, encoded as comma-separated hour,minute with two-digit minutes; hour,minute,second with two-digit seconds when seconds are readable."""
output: 6,05
